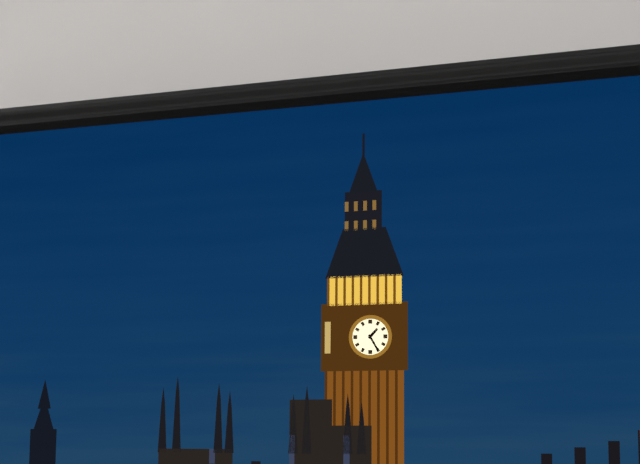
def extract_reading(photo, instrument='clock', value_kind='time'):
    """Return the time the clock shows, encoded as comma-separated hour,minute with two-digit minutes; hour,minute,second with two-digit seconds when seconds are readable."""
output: 1,25
